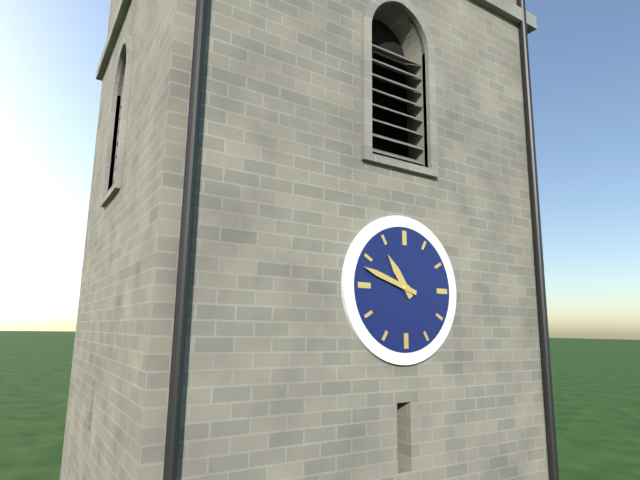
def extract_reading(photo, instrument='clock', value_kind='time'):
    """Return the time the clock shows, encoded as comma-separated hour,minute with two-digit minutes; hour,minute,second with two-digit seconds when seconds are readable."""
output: 10,48
